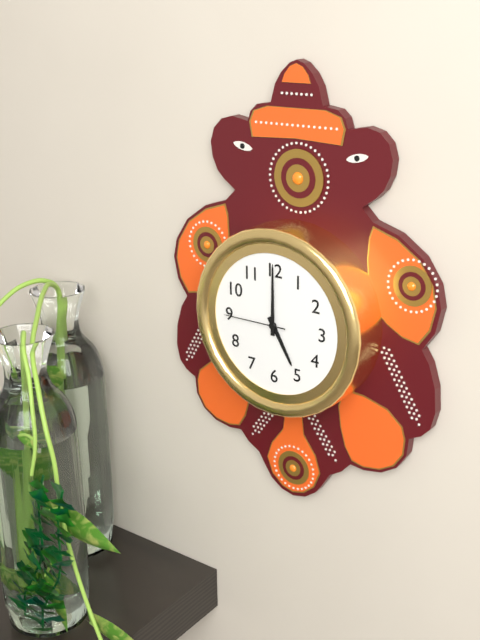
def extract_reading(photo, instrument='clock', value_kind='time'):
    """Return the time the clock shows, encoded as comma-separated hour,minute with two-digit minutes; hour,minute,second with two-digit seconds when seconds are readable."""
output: 5,00,45
